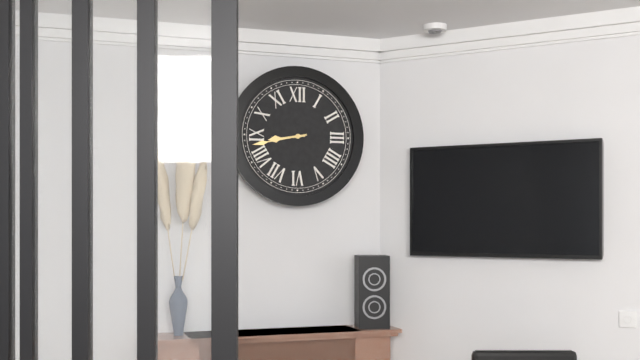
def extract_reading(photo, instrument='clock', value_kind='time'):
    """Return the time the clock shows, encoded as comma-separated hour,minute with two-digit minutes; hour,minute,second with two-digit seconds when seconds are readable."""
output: 8,43
